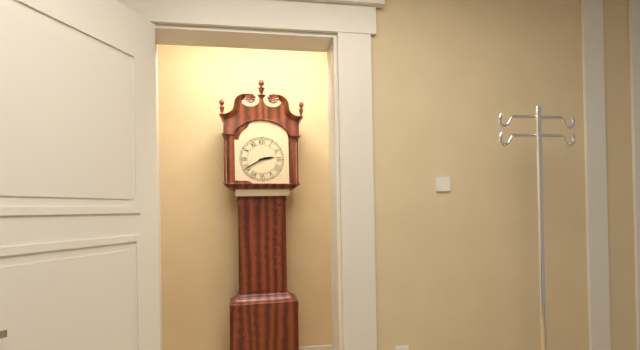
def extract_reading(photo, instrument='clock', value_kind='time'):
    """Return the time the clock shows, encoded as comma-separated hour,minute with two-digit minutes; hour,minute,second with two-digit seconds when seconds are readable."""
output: 2,40
